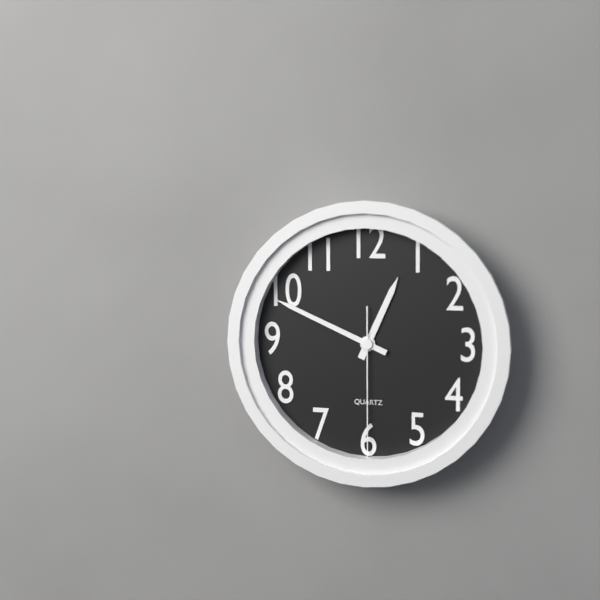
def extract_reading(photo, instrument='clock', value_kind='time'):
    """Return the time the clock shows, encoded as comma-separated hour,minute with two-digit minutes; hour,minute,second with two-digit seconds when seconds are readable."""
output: 12,49,30
